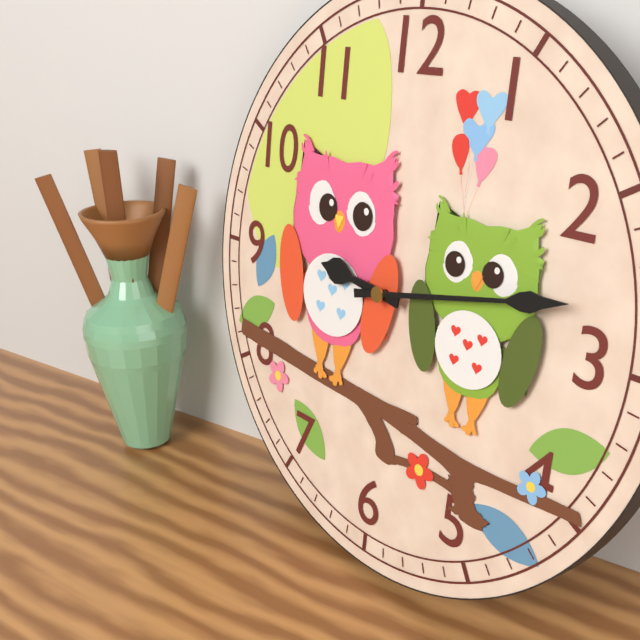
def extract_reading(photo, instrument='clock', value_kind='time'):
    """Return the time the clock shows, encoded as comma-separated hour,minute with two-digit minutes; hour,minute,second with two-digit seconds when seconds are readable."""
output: 9,13
